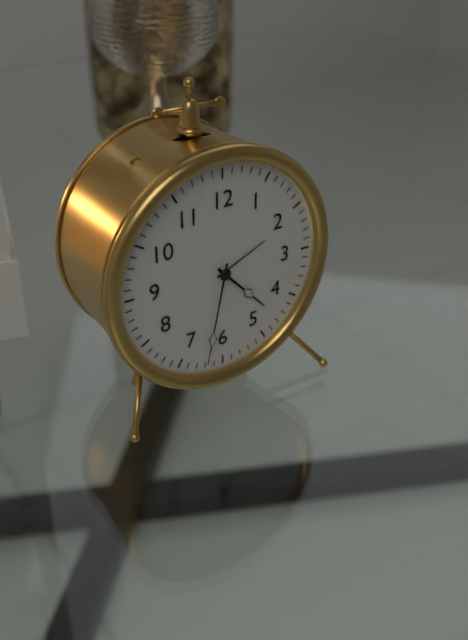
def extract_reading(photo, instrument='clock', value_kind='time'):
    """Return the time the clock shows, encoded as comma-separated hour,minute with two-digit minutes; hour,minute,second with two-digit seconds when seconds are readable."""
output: 4,32
